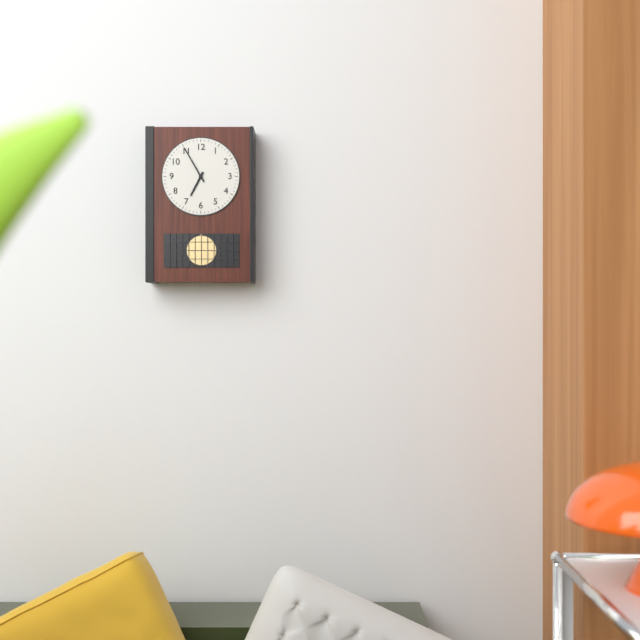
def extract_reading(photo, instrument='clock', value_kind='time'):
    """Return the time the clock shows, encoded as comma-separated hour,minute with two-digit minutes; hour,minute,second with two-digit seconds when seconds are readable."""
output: 6,55
